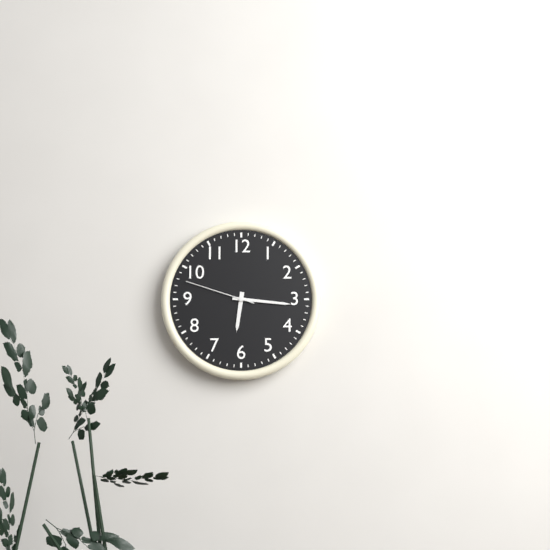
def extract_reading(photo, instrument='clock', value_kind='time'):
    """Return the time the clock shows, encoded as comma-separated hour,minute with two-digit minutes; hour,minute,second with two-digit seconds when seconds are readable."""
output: 6,16,48
